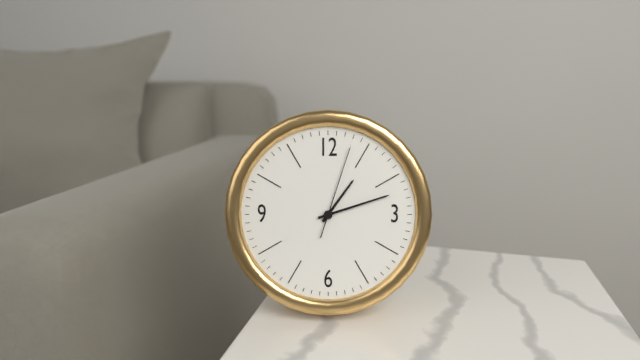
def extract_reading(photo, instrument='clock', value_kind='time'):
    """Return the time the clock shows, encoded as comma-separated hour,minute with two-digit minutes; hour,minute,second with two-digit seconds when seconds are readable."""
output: 1,12,03
